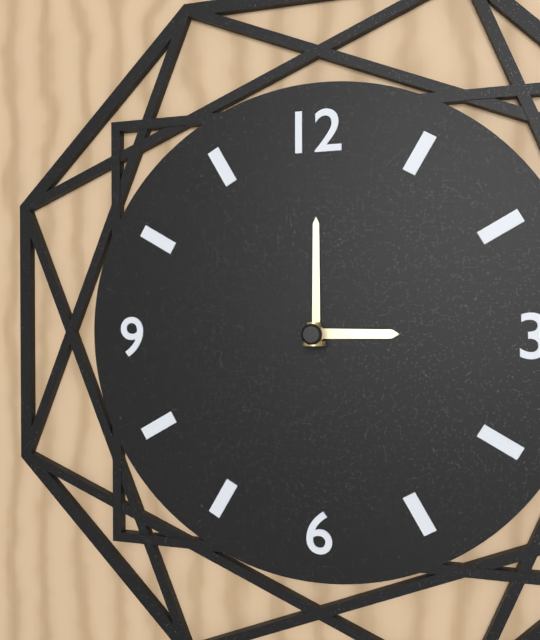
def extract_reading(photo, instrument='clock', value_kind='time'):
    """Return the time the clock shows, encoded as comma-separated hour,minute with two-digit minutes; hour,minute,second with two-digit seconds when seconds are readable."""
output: 3,00
